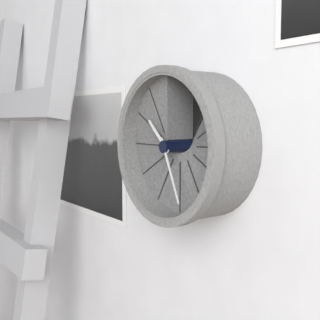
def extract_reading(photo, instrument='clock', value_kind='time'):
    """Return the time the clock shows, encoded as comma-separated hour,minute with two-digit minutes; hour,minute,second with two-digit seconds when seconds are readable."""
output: 10,26
